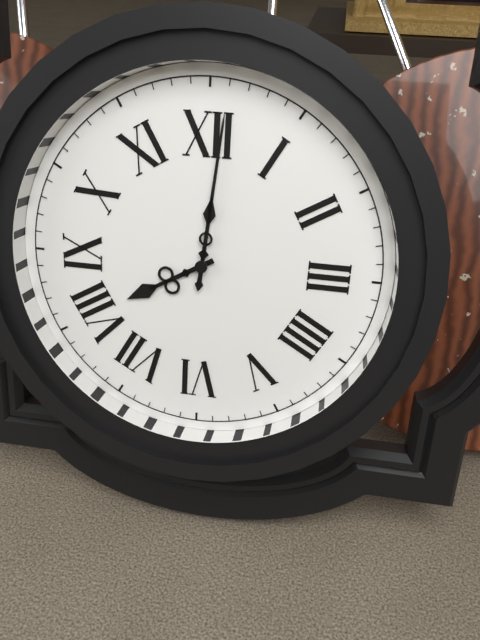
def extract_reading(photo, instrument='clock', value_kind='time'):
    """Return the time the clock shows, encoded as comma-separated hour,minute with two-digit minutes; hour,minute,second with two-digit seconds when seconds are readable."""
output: 8,01
